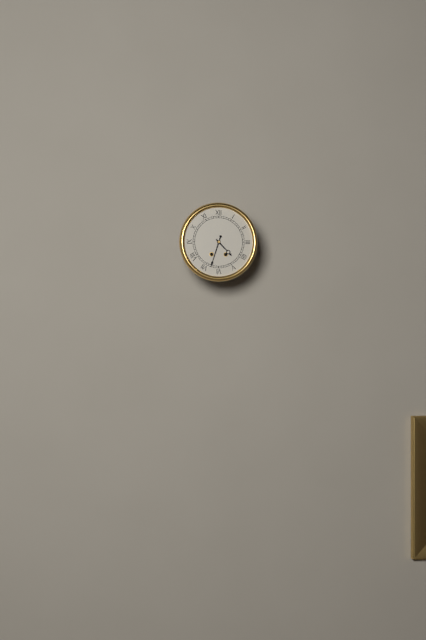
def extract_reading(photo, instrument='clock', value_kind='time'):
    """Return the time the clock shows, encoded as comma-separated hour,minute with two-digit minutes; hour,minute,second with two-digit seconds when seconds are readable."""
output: 4,33
